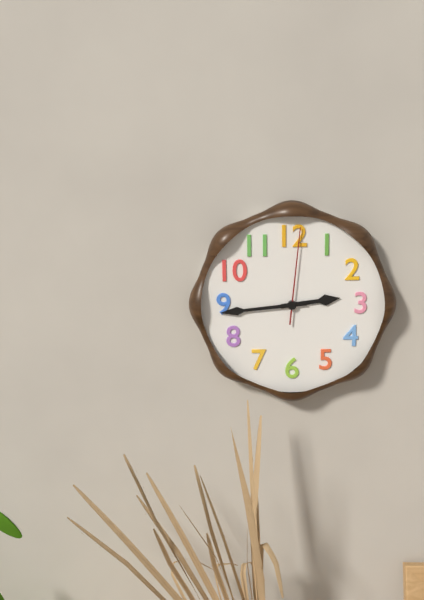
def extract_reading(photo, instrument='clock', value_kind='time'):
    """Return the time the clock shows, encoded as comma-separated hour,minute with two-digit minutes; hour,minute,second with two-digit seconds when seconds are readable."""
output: 2,44,01
